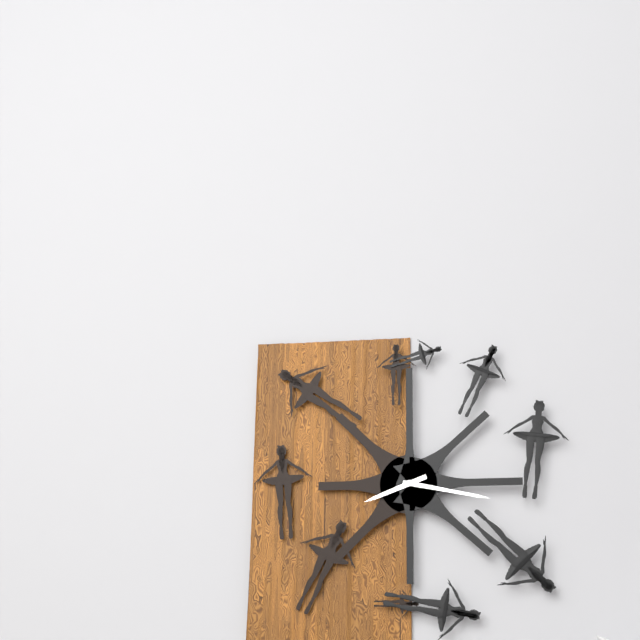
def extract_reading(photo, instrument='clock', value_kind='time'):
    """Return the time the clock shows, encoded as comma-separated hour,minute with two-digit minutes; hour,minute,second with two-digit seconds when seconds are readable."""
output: 8,17
